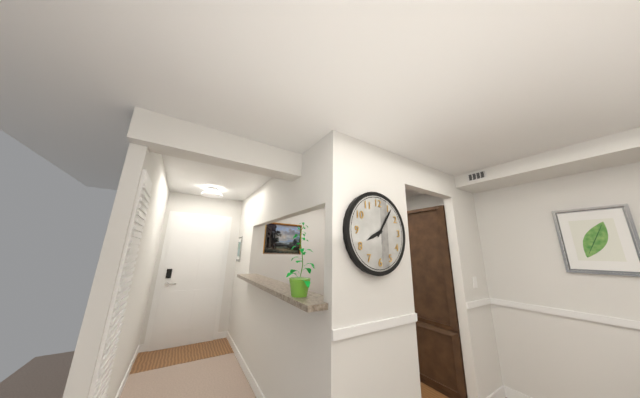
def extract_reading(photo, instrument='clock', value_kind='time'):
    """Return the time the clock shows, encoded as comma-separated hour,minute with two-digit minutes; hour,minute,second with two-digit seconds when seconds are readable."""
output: 8,06
